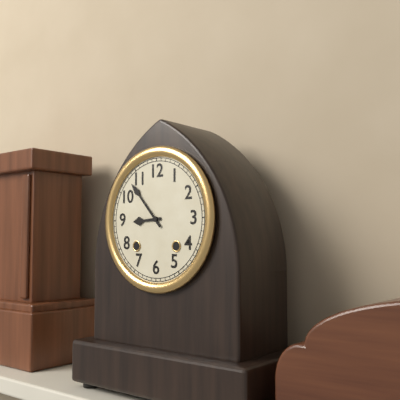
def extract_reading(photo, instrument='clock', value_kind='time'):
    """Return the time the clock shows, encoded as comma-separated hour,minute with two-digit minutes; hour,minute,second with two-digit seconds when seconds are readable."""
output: 8,53
